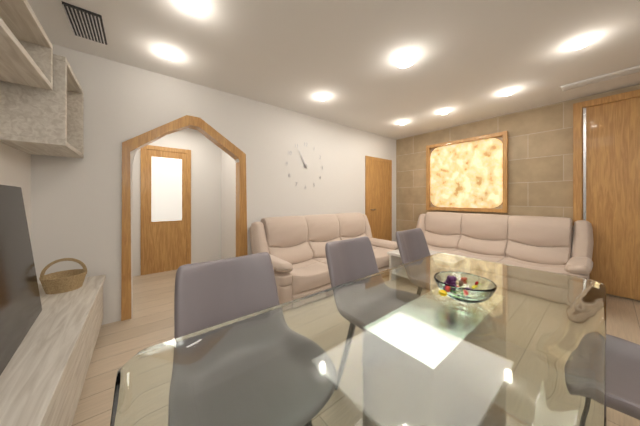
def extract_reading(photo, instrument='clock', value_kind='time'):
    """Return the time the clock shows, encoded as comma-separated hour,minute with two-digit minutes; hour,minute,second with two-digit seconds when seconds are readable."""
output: 10,55
